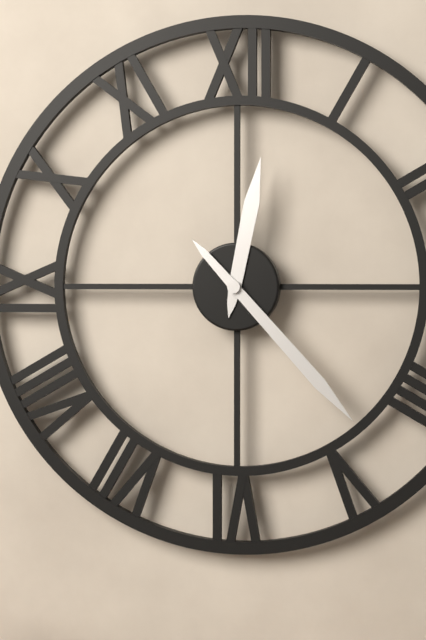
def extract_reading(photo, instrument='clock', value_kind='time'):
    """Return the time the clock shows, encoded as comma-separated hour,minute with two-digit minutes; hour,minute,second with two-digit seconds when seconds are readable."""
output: 12,23
